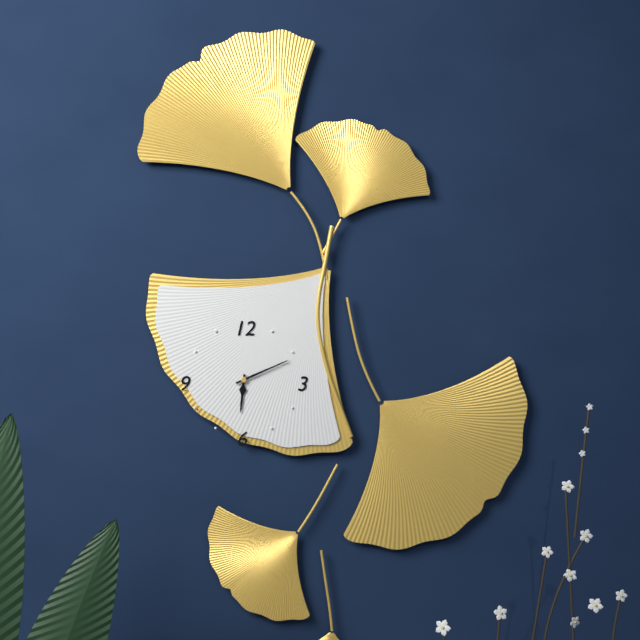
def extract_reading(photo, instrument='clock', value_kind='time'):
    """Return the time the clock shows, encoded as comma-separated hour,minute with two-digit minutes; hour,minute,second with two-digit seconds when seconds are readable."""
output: 6,11
